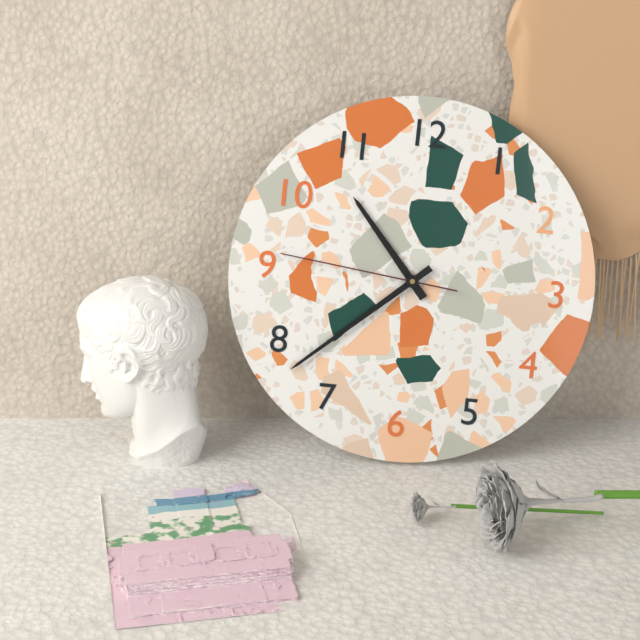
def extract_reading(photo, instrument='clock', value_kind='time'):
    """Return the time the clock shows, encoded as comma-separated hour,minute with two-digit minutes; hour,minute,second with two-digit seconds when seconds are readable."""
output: 10,38,46
